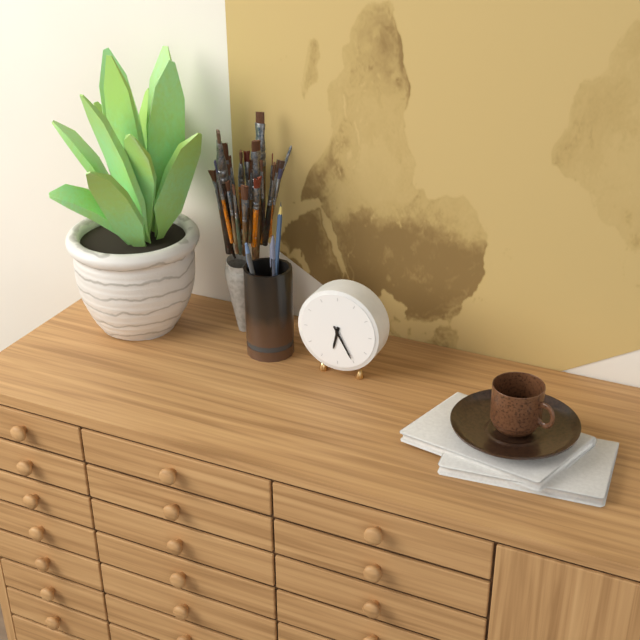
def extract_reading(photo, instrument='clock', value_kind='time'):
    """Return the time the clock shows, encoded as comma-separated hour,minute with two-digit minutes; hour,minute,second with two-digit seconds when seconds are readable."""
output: 6,25
